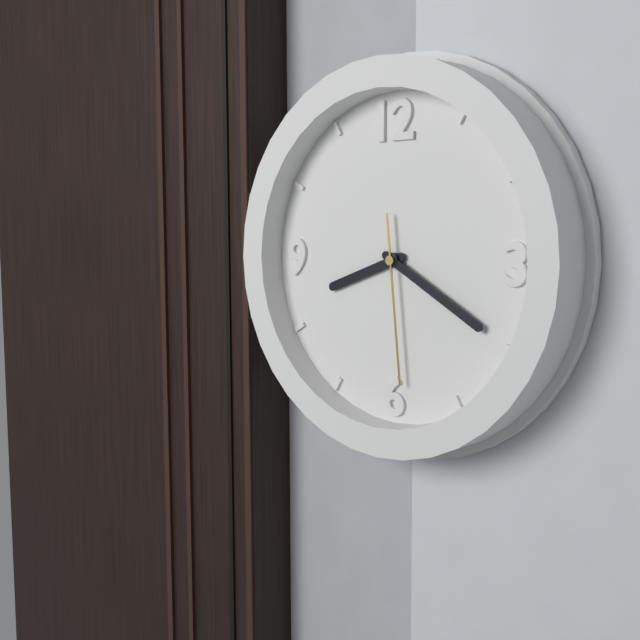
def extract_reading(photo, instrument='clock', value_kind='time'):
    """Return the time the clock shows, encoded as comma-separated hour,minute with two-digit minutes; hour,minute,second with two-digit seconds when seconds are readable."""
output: 8,20,29
